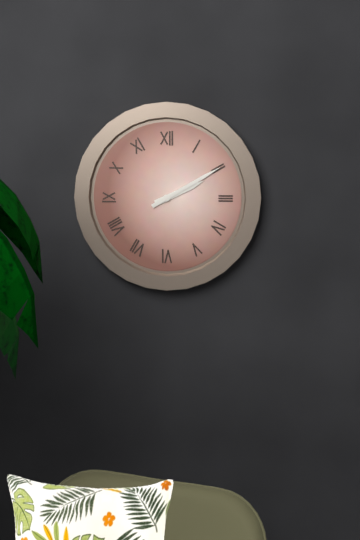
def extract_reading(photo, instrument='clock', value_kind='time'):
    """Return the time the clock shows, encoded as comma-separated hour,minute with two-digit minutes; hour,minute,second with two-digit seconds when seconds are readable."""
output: 2,10
